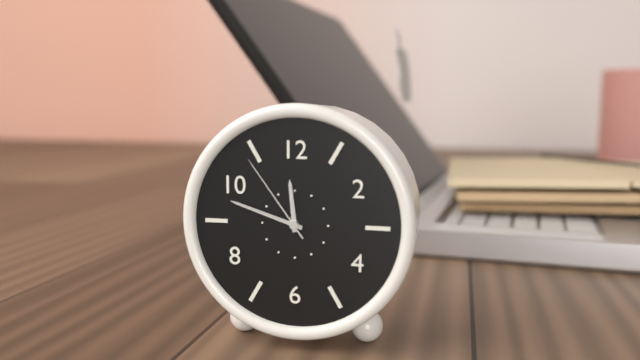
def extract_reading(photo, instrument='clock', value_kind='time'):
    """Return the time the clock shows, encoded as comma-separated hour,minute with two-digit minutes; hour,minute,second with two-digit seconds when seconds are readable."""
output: 11,48,54
